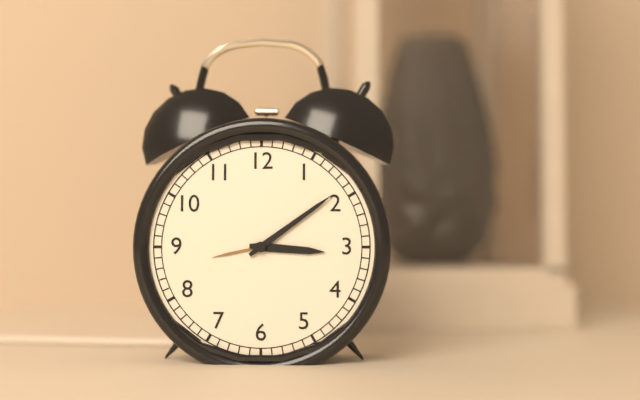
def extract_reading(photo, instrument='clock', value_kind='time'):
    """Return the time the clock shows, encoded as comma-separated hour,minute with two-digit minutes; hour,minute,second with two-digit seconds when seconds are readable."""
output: 3,09
